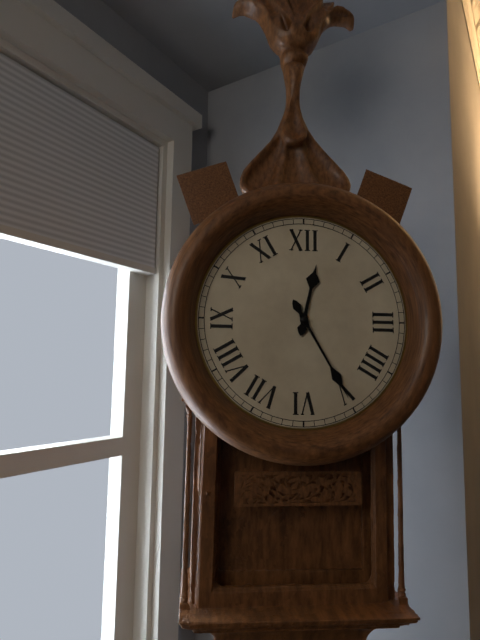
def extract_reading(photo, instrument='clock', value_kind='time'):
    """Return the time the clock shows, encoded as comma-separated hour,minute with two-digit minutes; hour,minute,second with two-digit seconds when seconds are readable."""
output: 12,25
